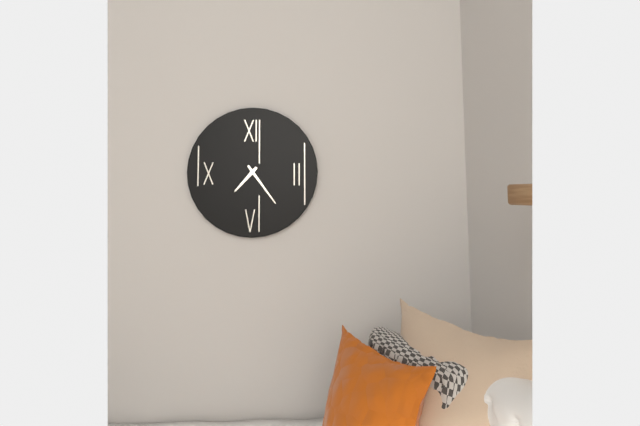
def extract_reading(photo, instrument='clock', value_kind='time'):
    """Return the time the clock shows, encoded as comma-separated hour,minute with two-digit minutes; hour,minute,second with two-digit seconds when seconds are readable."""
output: 7,24
